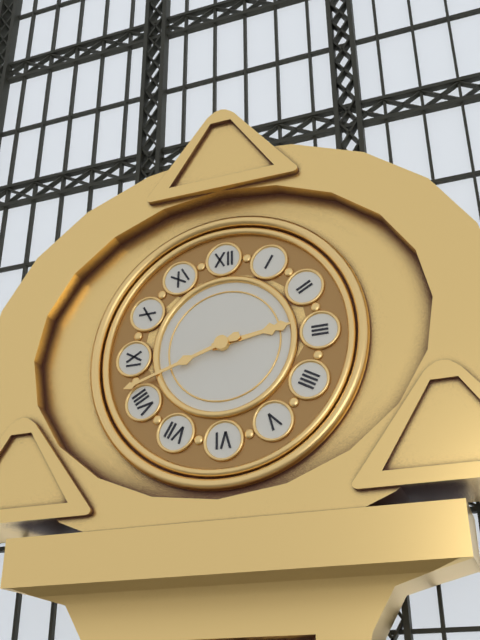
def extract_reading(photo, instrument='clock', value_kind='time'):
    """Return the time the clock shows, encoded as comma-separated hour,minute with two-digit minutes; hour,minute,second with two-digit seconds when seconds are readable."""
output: 2,42
